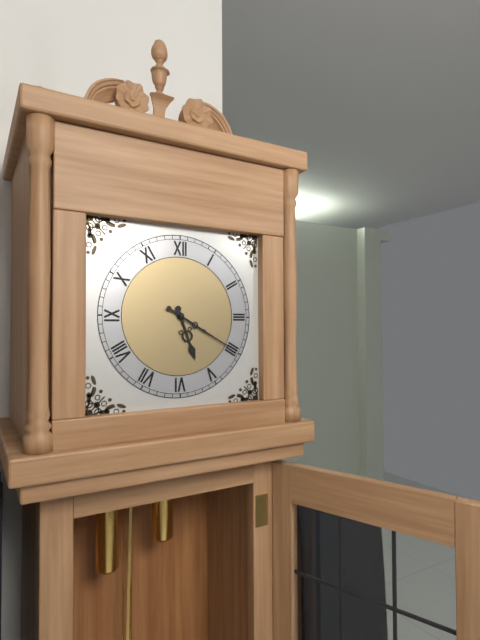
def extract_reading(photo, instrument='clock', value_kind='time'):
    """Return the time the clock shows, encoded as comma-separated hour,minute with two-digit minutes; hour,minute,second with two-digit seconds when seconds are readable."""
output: 5,20
